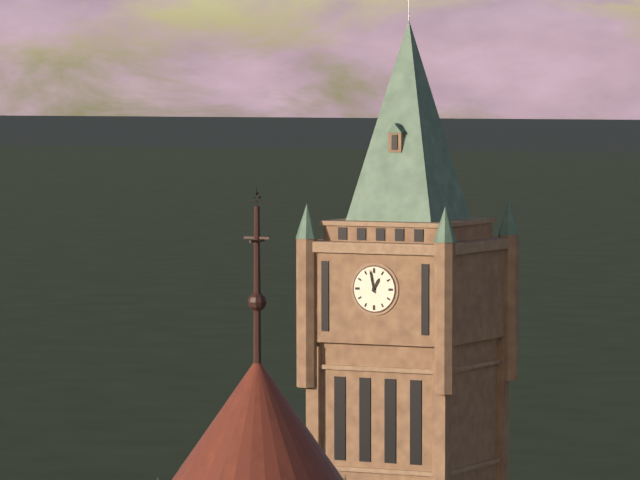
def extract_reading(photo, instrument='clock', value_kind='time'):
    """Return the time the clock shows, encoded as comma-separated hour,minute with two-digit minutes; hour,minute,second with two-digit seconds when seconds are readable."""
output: 12,58
